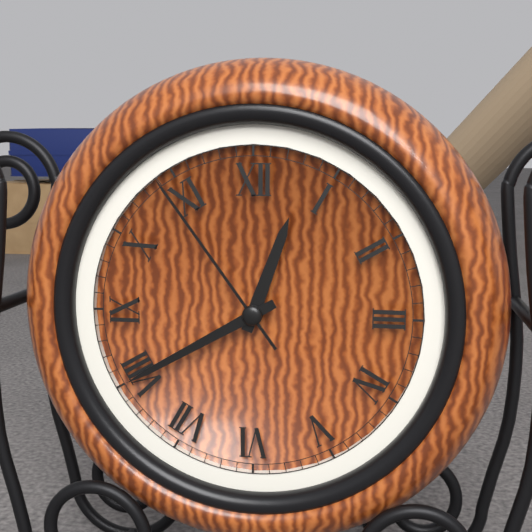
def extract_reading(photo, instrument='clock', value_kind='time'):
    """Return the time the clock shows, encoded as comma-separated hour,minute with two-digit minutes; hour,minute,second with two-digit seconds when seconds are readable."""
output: 12,40,54
